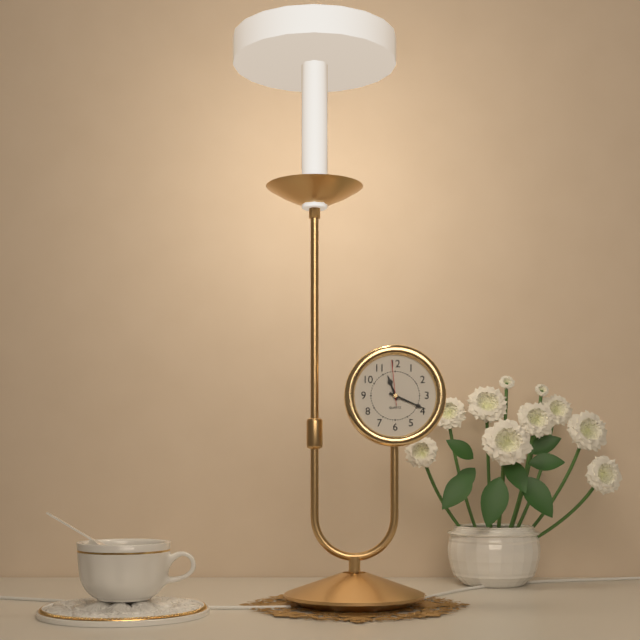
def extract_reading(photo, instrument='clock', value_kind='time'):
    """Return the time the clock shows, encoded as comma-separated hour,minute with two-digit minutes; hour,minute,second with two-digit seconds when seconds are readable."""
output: 11,19
